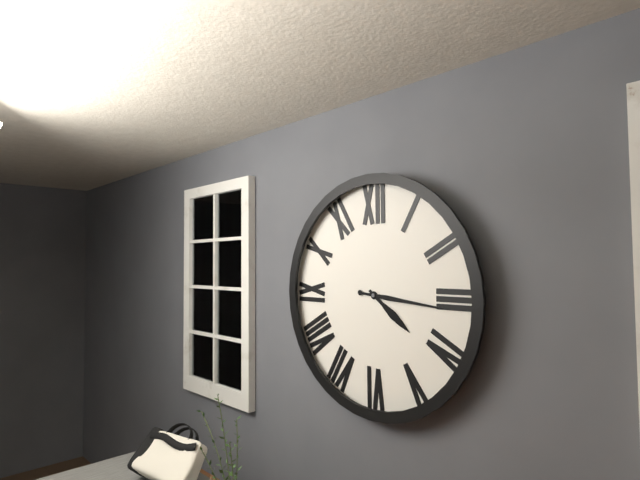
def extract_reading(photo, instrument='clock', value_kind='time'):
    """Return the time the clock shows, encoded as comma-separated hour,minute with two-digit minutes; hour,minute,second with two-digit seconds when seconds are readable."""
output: 4,16
